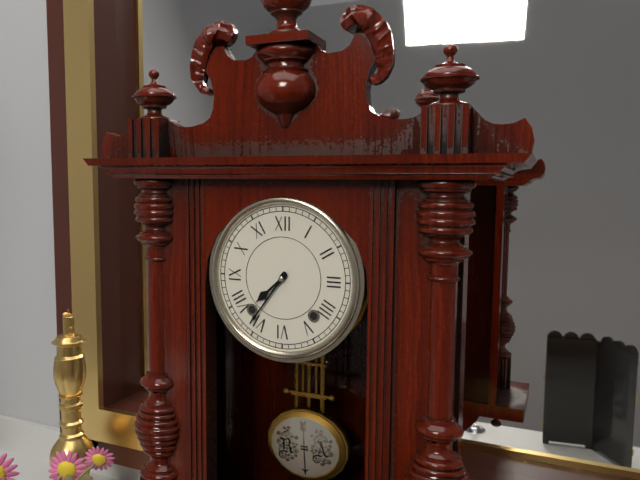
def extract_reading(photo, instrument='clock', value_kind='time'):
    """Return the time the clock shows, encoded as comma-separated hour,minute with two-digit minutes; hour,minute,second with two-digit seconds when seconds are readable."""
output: 7,36
